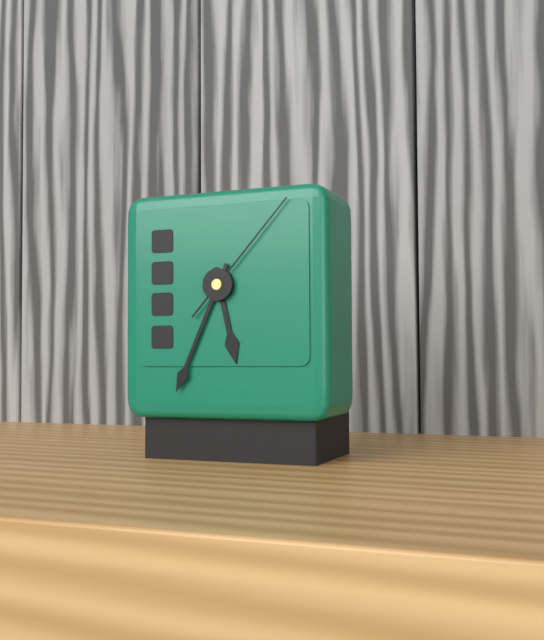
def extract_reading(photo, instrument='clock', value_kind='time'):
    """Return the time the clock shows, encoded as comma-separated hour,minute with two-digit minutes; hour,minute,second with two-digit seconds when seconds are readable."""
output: 5,34,07
